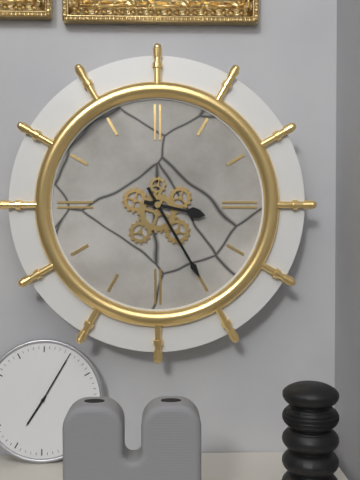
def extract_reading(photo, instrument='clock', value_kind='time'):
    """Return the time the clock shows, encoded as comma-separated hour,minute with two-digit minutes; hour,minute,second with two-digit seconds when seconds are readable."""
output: 3,25
